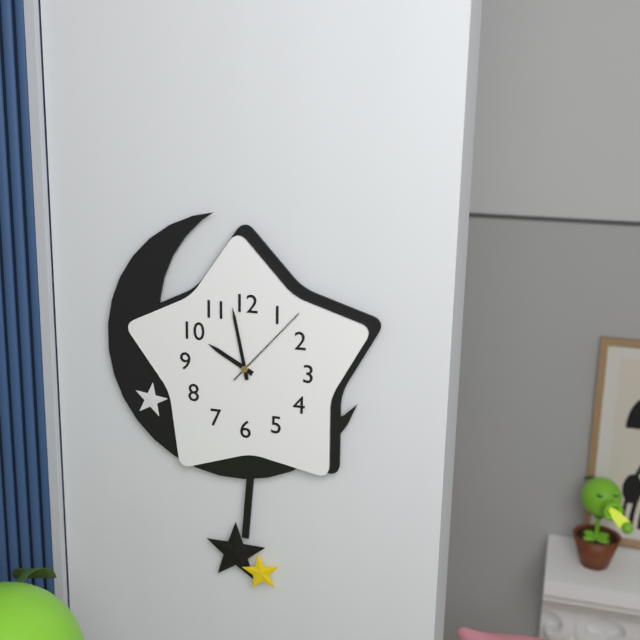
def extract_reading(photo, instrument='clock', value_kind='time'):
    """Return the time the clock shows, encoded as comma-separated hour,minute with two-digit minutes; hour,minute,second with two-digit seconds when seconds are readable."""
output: 9,58,07
